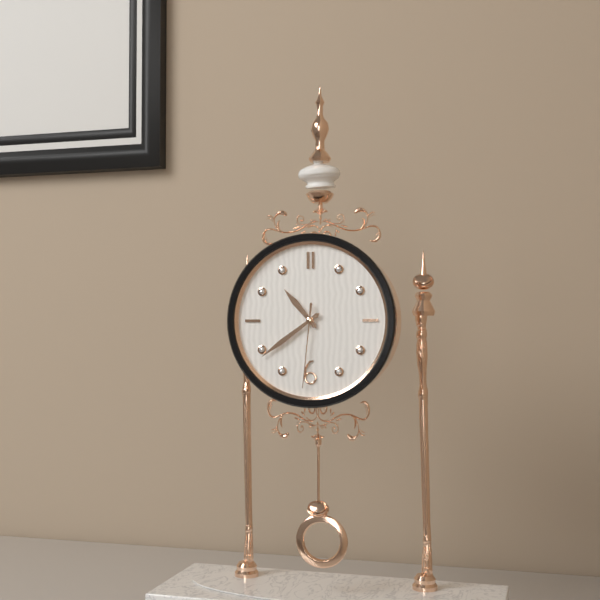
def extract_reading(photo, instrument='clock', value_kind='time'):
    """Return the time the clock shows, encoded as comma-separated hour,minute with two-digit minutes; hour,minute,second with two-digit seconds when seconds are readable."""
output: 10,39,31
